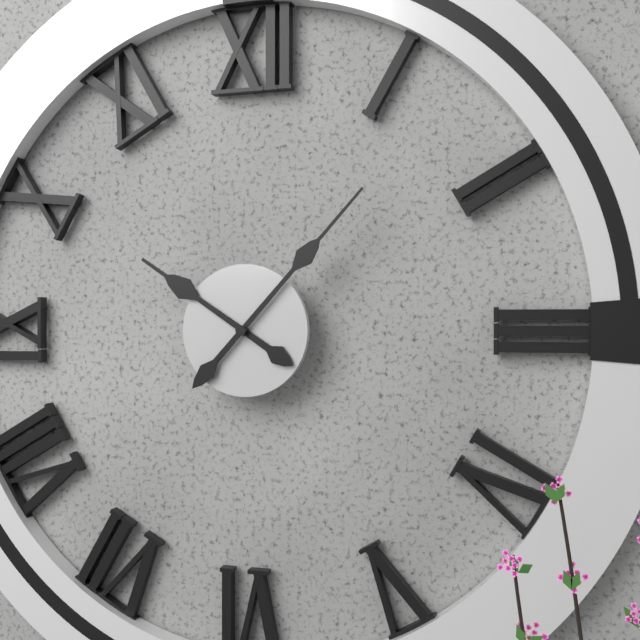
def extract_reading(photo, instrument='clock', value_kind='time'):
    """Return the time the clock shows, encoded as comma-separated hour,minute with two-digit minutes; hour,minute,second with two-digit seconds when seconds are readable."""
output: 10,07
